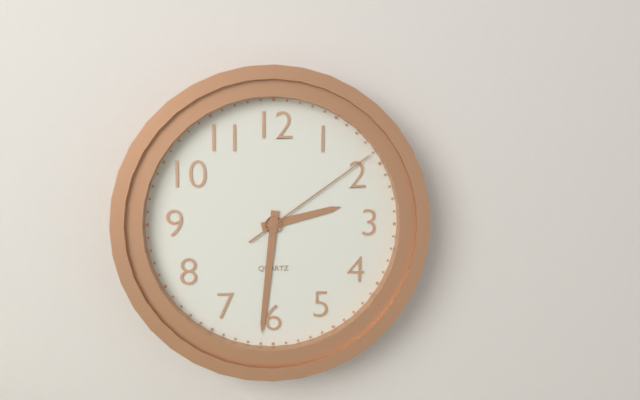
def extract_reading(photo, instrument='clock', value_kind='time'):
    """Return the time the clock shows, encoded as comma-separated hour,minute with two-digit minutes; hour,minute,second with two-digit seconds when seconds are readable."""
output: 2,31,09
